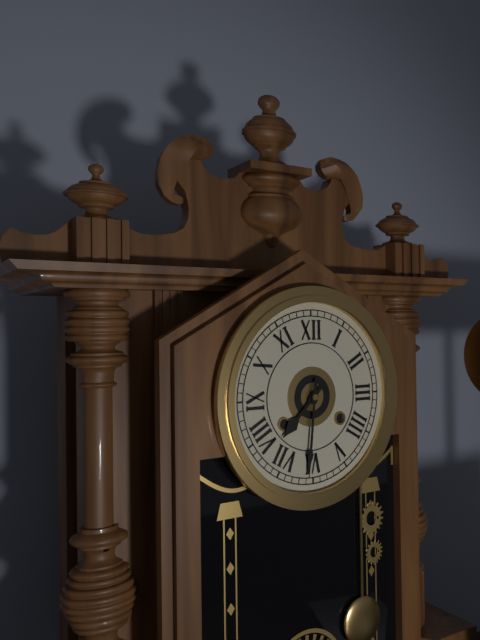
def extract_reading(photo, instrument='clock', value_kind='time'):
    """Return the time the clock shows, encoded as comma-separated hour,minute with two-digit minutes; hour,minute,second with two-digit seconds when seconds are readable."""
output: 7,31
